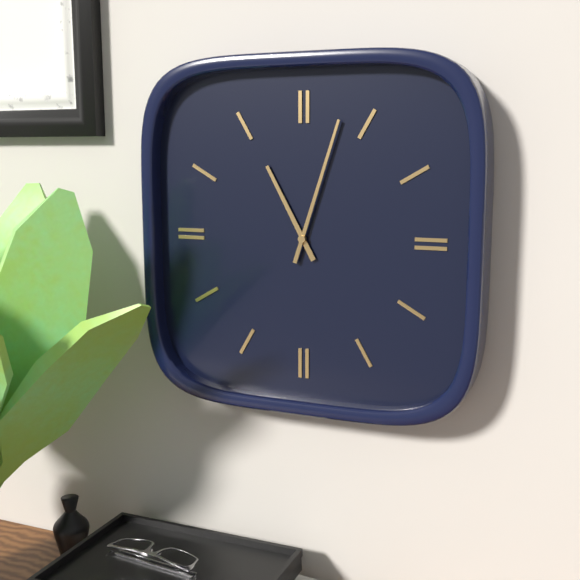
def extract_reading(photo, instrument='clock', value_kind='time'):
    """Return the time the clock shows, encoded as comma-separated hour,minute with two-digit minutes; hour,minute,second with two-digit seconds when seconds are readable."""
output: 11,03
